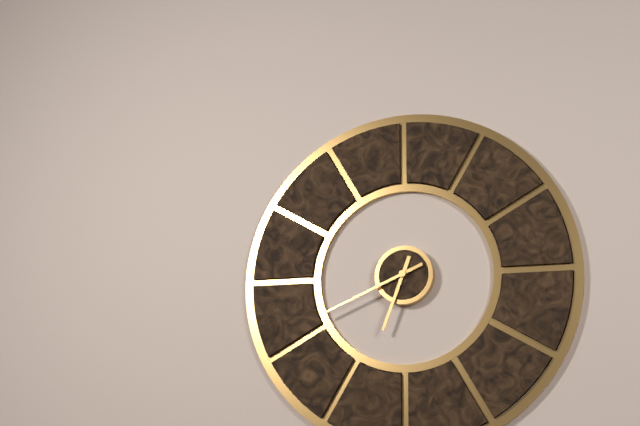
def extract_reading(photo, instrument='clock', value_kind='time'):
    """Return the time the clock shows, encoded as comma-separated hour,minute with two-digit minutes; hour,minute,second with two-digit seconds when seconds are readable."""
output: 6,41
